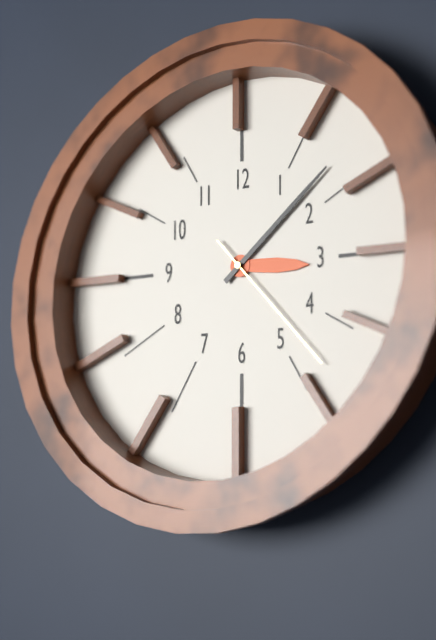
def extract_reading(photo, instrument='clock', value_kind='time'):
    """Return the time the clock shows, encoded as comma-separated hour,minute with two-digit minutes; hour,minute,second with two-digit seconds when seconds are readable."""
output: 3,08,23
